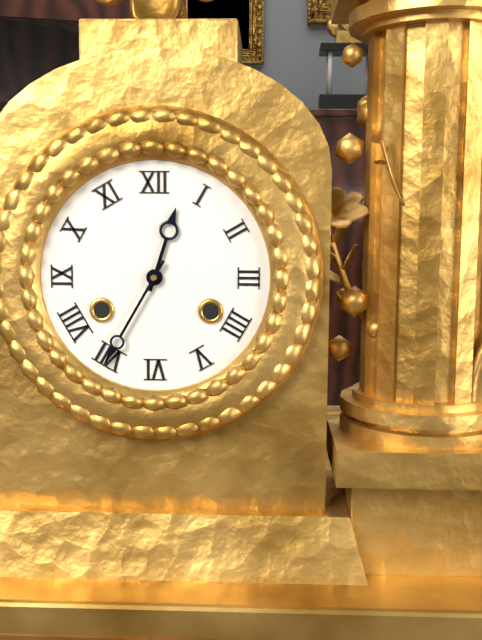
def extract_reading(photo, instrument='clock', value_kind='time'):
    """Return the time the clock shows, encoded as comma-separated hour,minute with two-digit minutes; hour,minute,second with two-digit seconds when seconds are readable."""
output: 12,35
